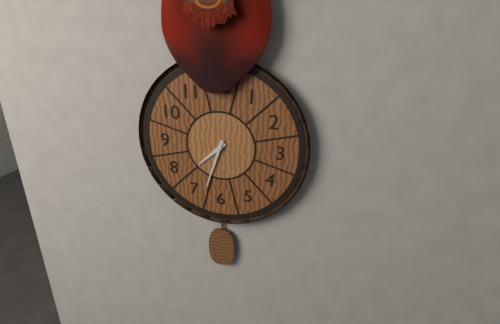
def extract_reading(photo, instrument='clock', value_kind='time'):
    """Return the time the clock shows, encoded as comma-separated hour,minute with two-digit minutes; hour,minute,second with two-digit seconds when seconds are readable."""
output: 7,33
